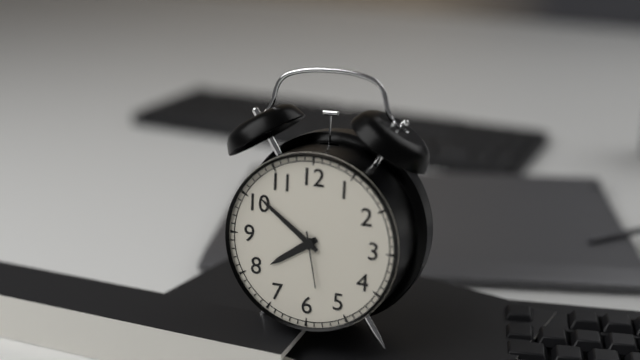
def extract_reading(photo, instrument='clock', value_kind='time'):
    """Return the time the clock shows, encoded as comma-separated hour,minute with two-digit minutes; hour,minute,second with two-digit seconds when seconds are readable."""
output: 7,51,28
